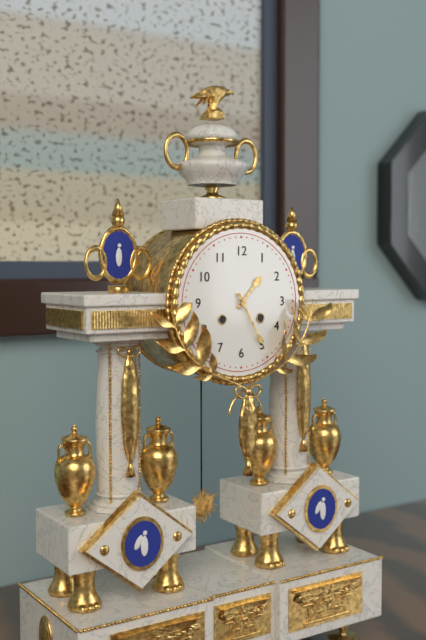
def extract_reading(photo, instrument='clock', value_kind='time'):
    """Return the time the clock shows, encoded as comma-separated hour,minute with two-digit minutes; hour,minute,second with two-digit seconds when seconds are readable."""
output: 1,25
